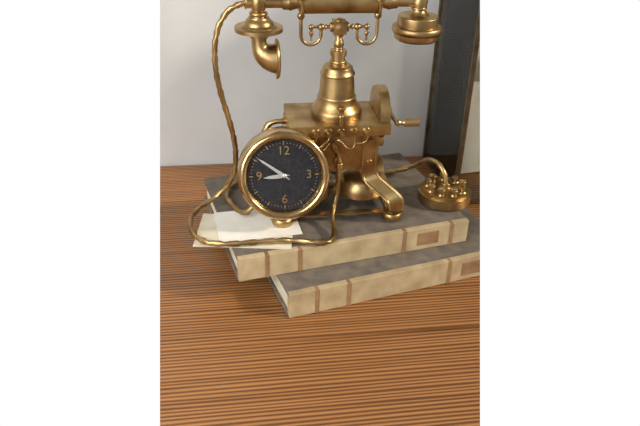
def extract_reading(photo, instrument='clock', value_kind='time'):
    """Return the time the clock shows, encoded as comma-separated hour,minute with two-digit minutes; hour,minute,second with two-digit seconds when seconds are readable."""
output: 8,51
